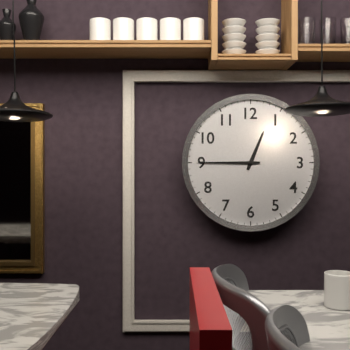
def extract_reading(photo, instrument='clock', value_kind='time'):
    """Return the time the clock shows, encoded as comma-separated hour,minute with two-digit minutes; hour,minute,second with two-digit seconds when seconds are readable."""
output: 12,45
